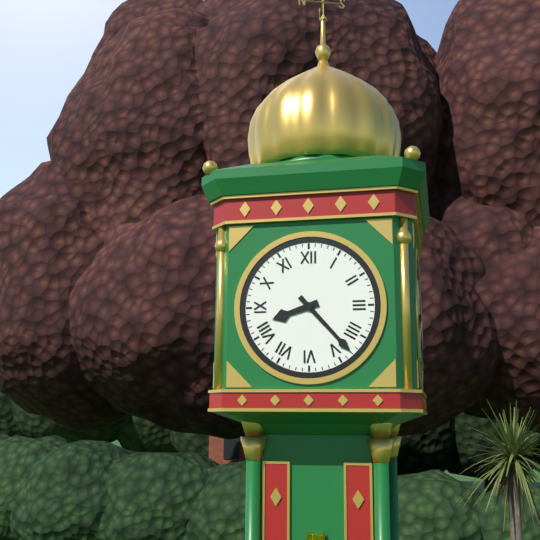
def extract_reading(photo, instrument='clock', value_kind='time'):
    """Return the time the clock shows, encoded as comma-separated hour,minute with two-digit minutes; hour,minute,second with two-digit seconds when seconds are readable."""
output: 8,23
